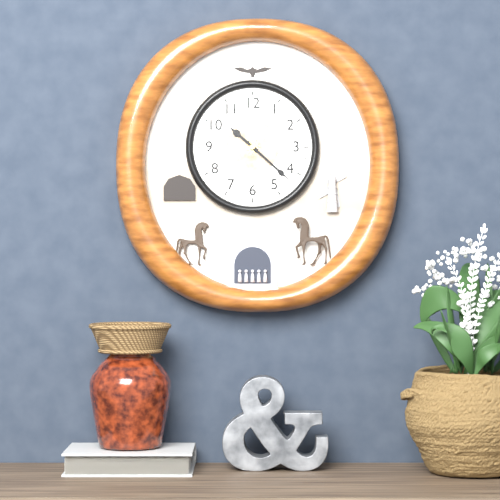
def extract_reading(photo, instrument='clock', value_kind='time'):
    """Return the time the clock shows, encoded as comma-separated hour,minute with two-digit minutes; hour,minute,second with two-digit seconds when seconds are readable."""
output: 10,22
